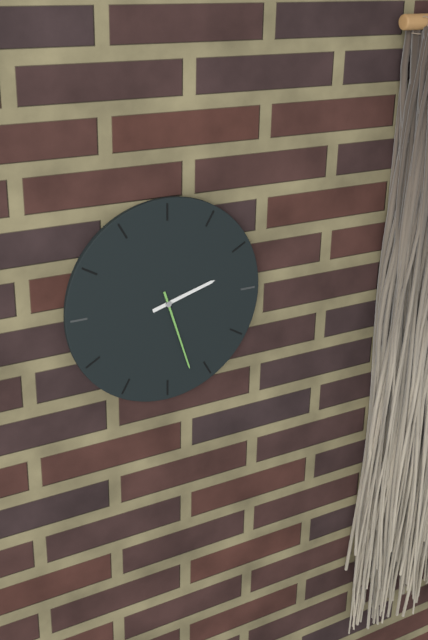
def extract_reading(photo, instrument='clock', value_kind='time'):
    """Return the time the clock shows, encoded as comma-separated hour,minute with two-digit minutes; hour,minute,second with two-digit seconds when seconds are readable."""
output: 2,27
